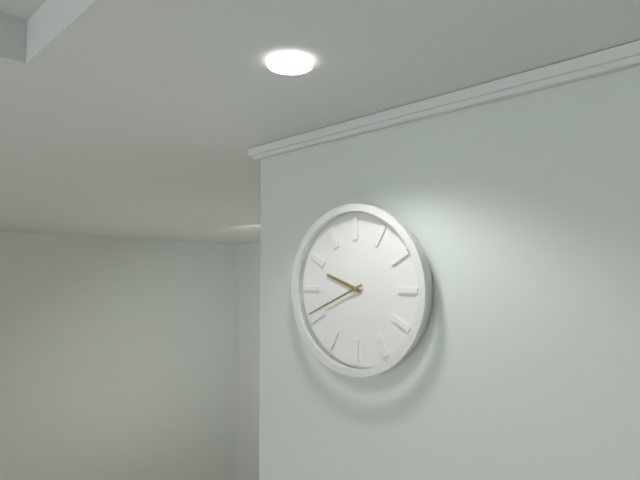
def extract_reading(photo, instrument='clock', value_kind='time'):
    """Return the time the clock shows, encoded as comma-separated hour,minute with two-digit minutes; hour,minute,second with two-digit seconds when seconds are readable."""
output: 9,41
